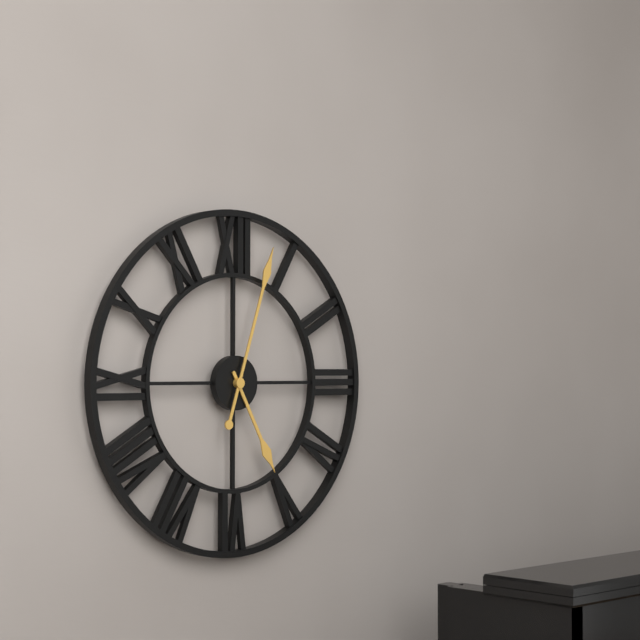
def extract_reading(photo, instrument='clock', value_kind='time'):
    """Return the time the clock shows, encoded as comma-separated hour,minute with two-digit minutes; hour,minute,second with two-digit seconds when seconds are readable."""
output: 5,03
